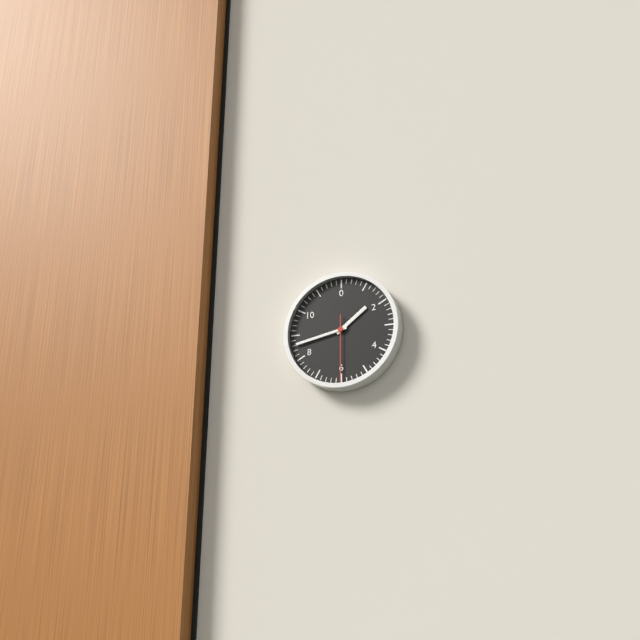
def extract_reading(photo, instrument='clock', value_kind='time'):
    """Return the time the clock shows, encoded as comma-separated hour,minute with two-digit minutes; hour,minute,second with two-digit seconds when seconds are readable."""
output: 1,43,30
